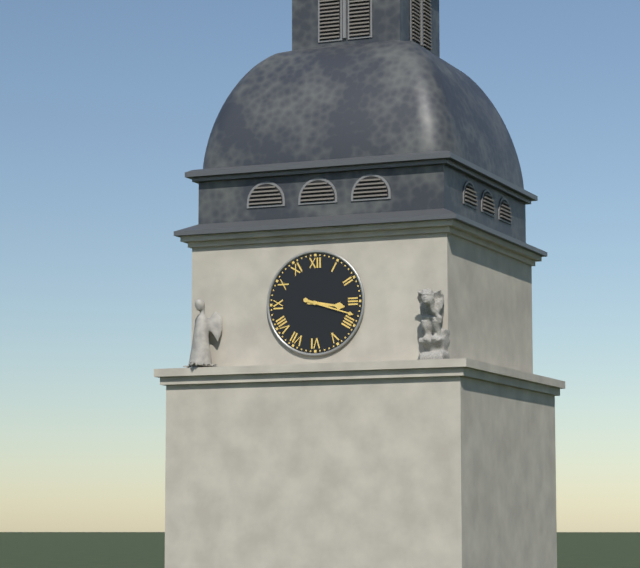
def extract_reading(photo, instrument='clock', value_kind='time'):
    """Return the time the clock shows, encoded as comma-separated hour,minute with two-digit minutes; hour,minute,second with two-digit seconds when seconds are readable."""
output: 3,18
